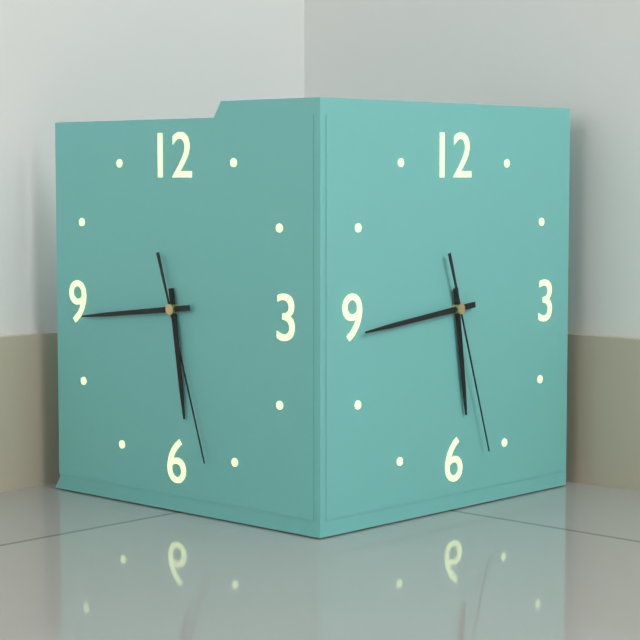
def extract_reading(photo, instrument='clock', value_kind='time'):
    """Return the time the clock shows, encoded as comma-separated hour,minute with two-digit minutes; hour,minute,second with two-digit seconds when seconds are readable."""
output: 5,44,27
